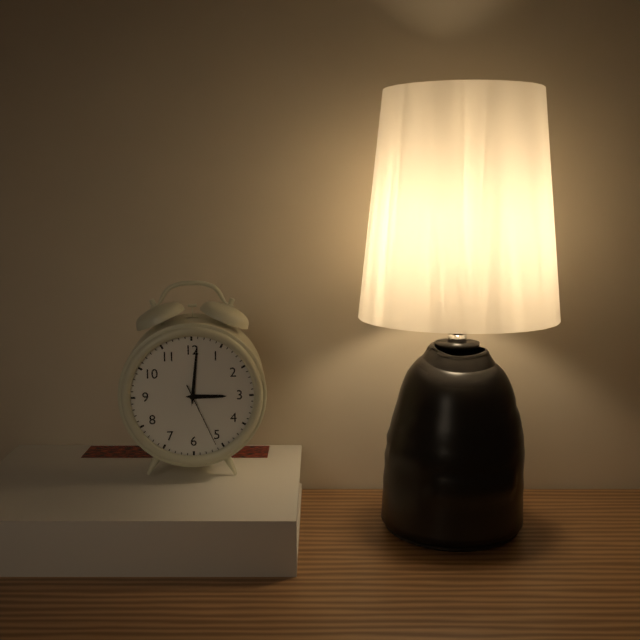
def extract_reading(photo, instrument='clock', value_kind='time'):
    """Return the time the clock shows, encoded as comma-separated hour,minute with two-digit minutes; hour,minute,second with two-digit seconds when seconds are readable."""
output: 3,01,26
